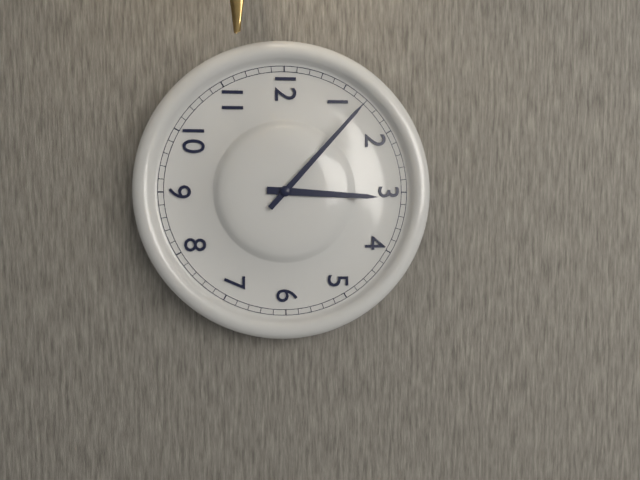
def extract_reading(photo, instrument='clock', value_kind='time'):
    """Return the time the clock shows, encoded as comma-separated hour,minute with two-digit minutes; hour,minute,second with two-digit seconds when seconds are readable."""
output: 3,07
